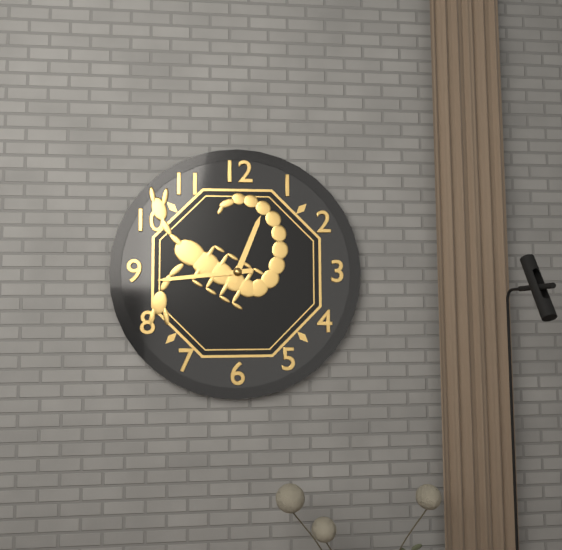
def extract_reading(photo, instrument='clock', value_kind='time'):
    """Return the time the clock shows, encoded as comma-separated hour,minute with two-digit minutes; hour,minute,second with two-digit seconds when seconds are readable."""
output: 12,44
